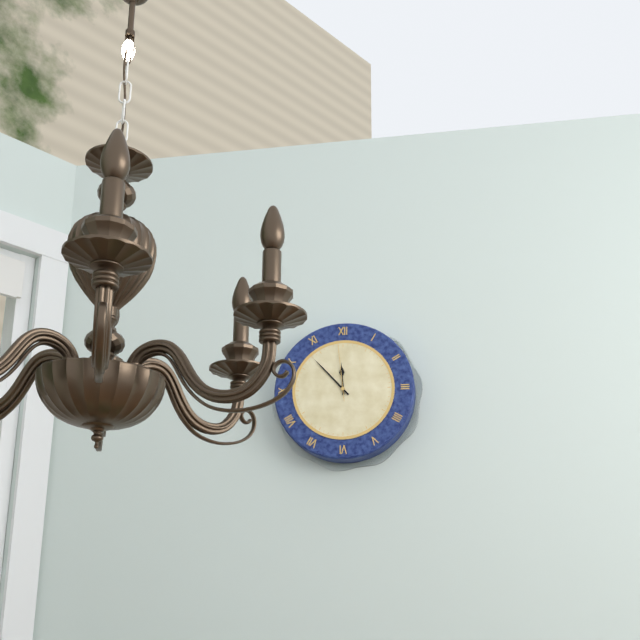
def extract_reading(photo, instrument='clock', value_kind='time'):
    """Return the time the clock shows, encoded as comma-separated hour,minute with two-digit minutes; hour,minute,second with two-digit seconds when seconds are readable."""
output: 11,53,59
